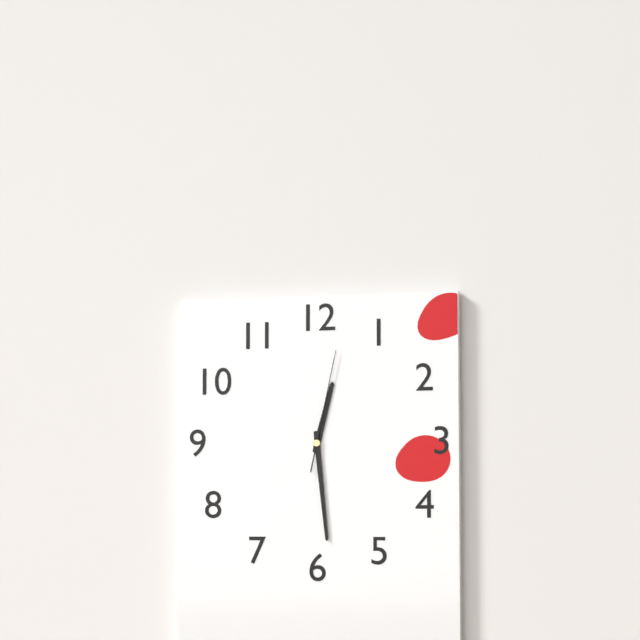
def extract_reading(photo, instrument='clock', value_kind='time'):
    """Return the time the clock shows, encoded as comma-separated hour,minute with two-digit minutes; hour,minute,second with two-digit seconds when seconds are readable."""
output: 12,29,02
